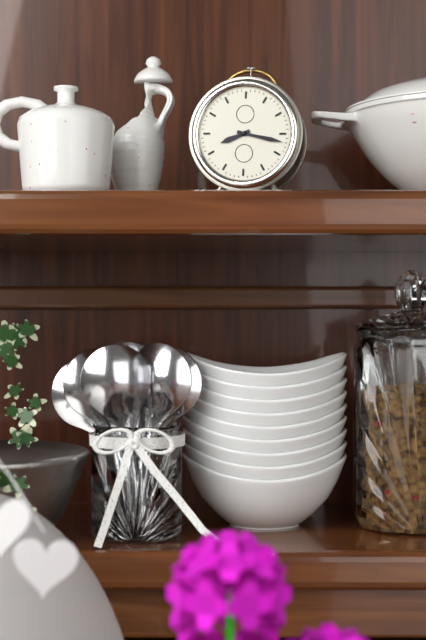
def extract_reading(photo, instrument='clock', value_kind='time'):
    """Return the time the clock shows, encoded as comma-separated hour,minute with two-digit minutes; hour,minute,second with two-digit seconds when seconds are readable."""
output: 8,17
